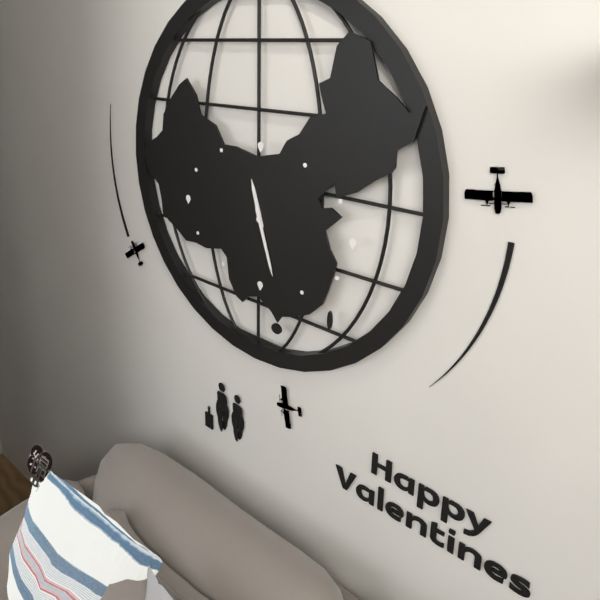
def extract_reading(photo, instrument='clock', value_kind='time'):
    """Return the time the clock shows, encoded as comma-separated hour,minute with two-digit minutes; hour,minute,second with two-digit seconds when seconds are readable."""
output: 11,27
